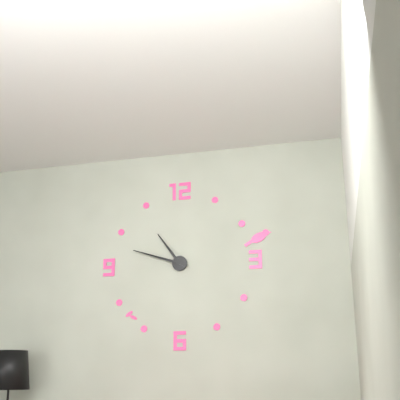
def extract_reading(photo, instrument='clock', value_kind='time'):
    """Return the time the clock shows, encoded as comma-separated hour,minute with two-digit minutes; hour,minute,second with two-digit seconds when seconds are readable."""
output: 10,48
